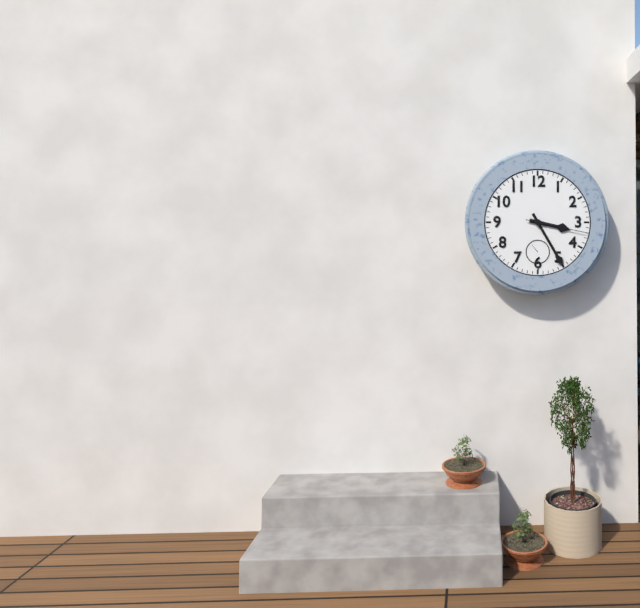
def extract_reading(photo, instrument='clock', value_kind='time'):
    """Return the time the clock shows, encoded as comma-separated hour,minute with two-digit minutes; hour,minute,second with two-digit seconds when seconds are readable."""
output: 3,25,17
